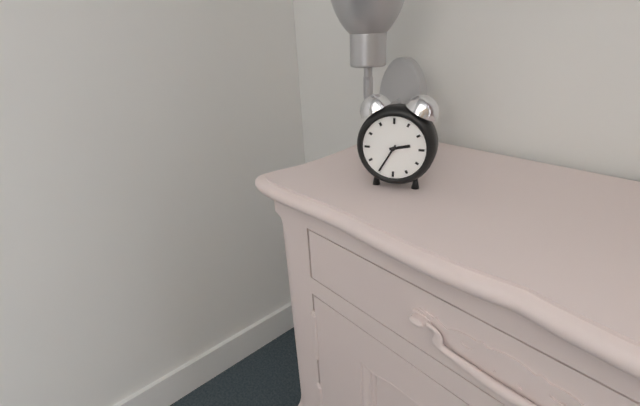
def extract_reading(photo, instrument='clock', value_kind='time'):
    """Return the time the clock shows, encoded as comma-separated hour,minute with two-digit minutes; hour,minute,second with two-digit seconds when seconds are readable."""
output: 2,35
